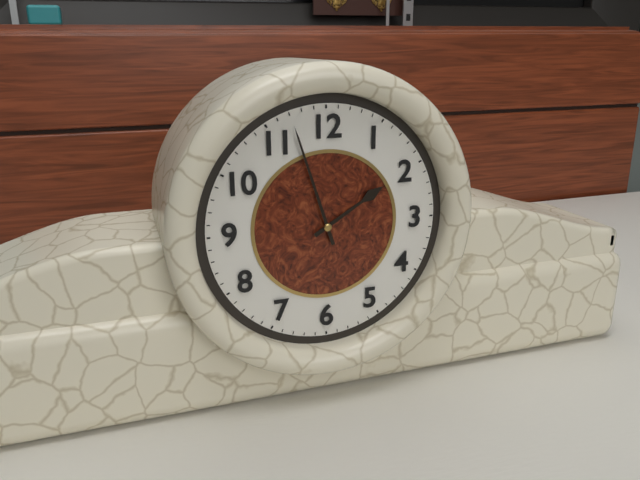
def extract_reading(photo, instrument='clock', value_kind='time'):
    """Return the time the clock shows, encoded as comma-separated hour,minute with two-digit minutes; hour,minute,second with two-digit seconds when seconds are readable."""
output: 1,57
